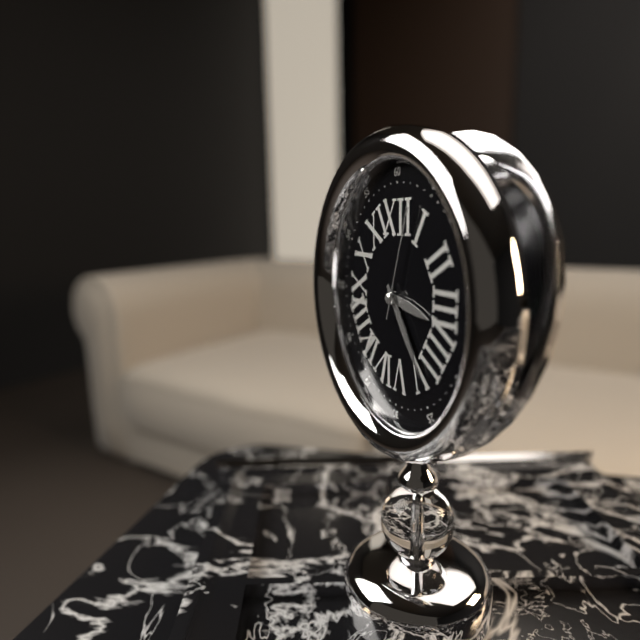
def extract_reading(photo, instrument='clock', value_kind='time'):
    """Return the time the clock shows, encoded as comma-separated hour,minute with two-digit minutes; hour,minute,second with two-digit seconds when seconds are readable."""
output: 3,24,03
